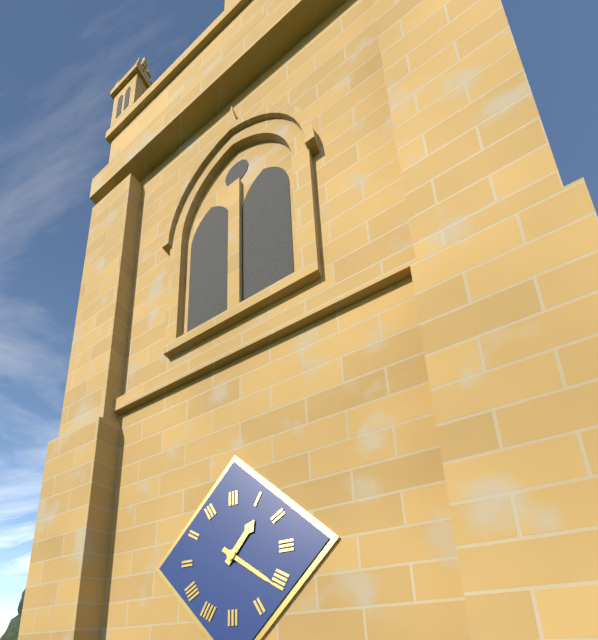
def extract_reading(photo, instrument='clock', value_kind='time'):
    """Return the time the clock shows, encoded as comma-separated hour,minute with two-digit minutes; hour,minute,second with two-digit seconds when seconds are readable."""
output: 1,21
